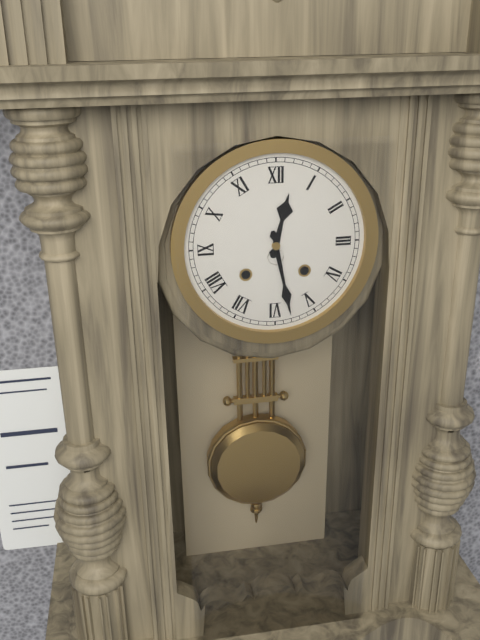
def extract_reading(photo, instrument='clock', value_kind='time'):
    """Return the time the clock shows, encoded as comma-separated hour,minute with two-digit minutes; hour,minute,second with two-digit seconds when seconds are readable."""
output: 12,28
